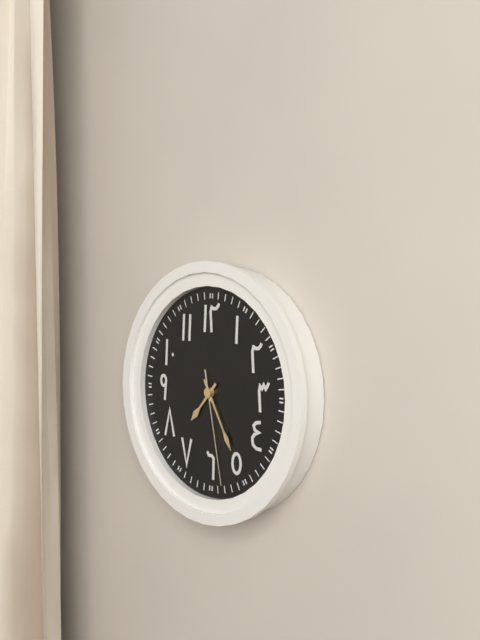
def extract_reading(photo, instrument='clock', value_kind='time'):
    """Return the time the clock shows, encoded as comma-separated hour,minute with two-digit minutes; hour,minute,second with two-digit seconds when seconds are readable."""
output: 7,25,28
